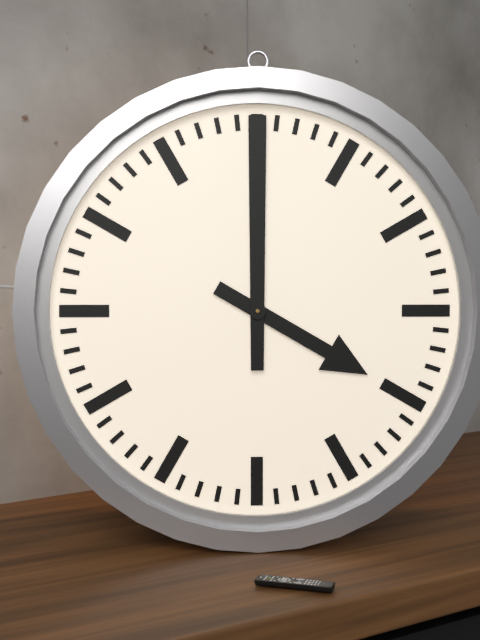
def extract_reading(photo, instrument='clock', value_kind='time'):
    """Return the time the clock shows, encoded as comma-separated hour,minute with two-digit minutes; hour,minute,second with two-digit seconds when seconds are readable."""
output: 4,00
